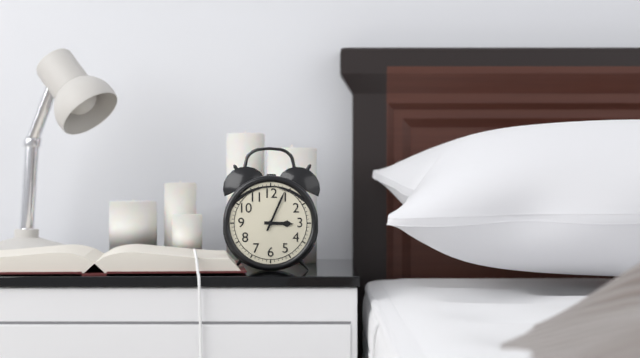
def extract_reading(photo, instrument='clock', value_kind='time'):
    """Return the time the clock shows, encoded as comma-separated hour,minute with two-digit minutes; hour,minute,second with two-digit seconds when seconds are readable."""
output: 3,04
